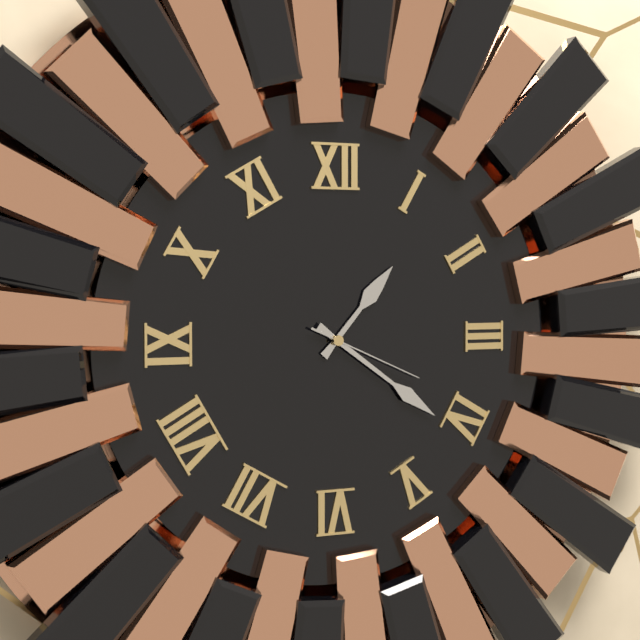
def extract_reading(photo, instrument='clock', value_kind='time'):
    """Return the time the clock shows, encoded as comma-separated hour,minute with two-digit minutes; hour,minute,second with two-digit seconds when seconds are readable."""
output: 1,21,19
